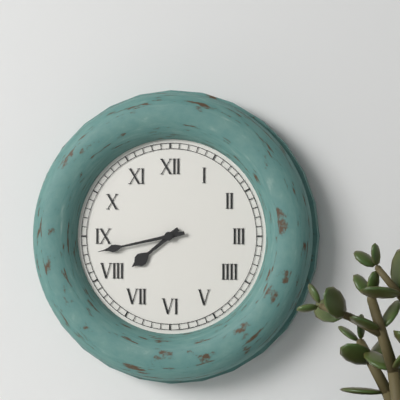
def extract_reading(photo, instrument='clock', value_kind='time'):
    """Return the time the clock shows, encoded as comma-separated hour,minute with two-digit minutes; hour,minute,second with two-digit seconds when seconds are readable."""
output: 7,43
